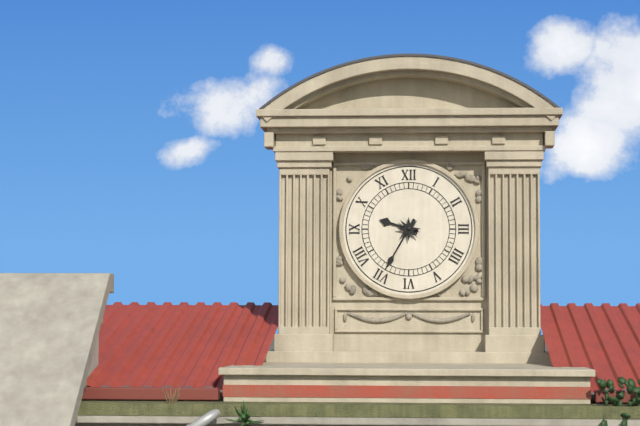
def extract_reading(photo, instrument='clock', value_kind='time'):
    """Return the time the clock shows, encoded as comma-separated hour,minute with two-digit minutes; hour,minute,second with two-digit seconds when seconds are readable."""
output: 9,35
